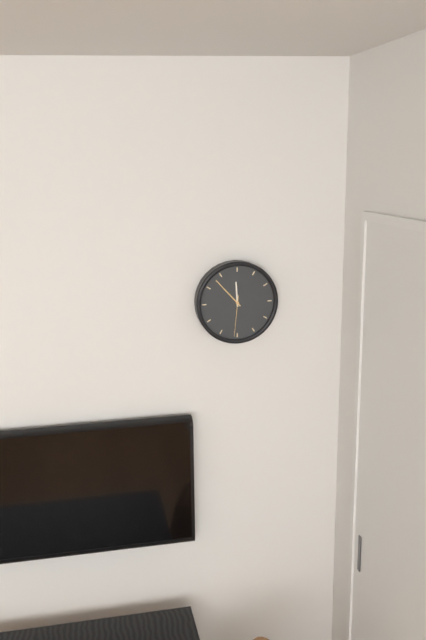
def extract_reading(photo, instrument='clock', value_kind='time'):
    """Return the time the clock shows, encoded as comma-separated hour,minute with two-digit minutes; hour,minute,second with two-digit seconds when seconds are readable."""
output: 11,53
